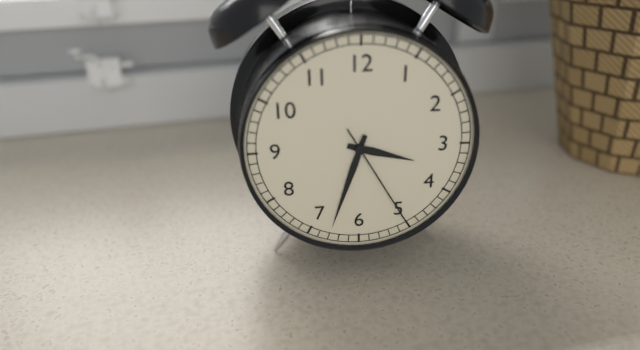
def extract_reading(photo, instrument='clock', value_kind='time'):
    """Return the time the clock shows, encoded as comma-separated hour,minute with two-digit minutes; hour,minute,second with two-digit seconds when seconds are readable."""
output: 3,33,25
